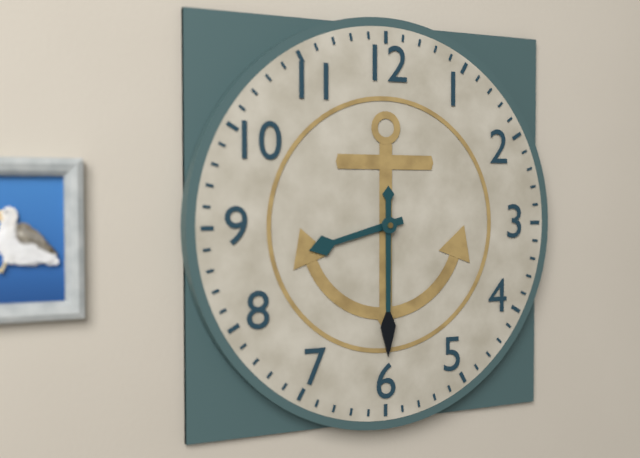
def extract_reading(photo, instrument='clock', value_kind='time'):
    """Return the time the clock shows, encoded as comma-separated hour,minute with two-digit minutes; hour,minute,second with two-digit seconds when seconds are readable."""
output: 8,30
